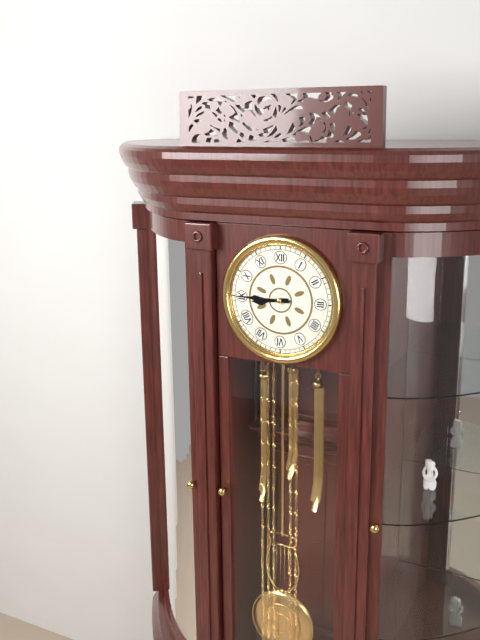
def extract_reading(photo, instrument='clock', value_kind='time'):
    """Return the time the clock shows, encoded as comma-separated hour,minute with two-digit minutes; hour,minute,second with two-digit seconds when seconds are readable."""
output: 8,45
